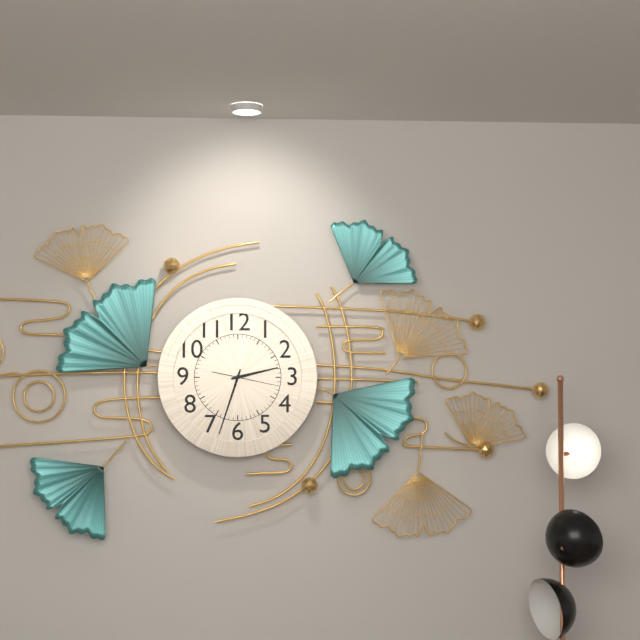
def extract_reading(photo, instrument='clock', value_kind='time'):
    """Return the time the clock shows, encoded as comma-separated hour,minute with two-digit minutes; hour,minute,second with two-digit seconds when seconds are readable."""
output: 2,33,17
